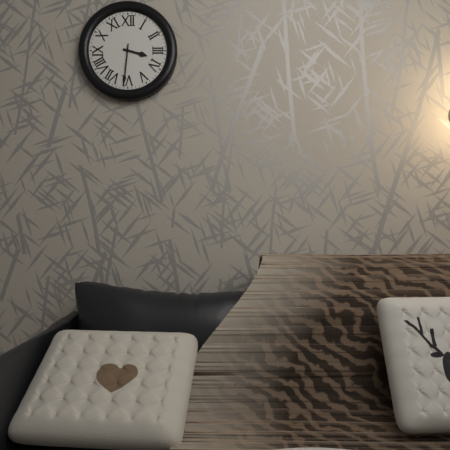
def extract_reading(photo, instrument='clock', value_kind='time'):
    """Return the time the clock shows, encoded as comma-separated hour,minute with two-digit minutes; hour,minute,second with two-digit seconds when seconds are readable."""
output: 3,31
